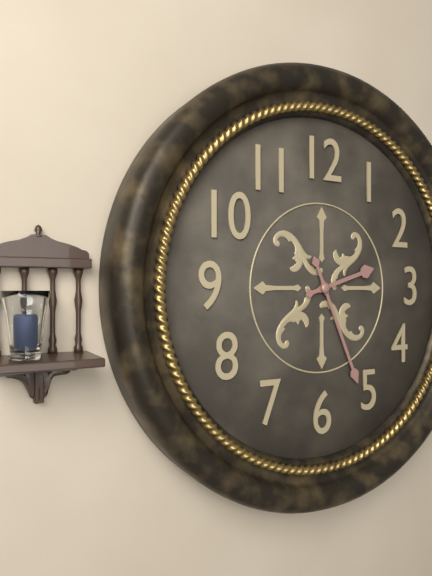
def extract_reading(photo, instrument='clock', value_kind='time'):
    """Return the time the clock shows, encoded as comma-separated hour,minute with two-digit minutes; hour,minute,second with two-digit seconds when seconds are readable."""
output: 2,26
